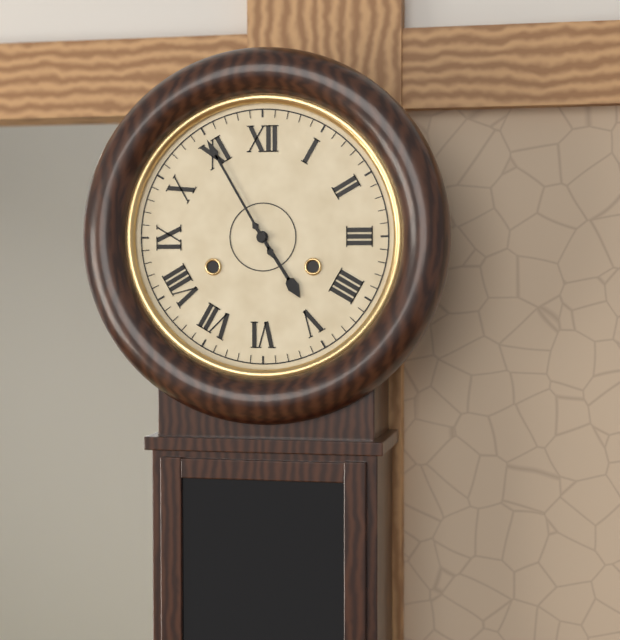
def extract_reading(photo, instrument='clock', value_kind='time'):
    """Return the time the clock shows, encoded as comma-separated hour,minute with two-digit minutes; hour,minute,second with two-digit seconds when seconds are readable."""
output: 4,55
